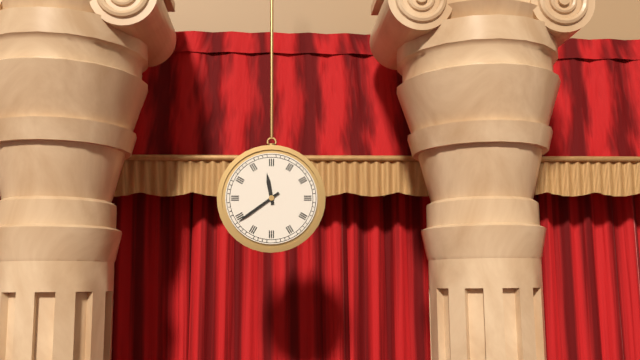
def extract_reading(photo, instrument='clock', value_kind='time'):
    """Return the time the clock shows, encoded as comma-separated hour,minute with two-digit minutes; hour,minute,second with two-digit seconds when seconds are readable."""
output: 11,39
